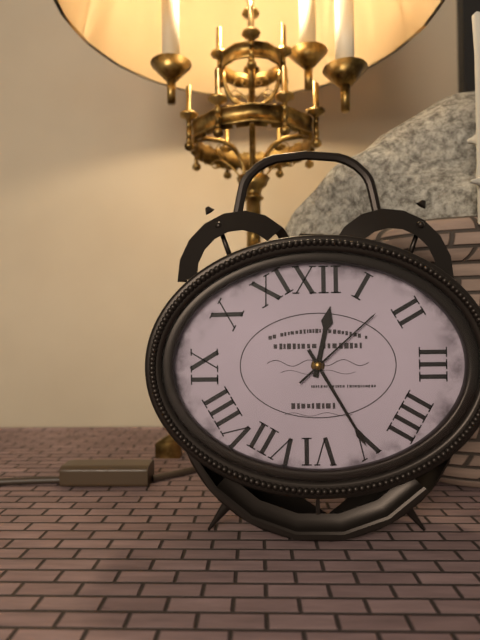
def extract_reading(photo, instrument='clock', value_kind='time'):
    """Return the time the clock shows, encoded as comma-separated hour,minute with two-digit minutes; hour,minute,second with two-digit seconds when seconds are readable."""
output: 12,25,08
